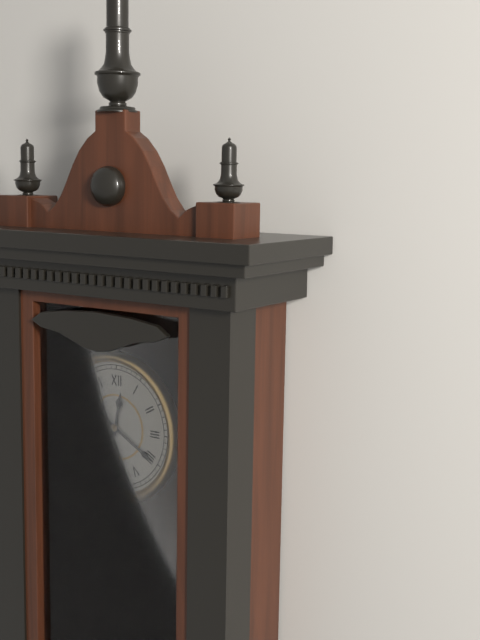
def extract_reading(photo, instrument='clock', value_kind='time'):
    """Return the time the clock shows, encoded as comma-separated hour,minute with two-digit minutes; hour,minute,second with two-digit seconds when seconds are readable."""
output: 12,20
